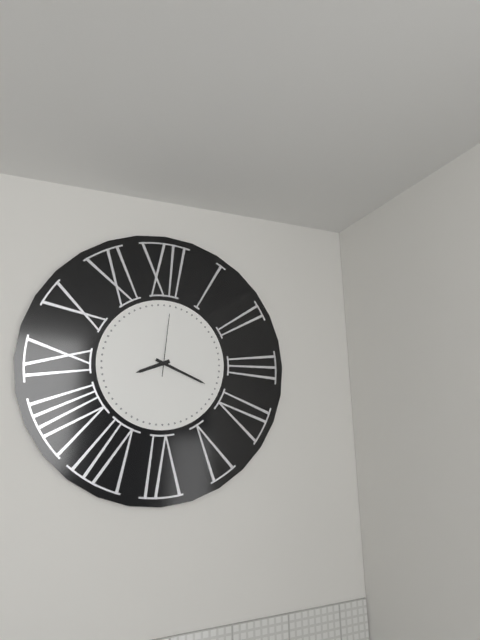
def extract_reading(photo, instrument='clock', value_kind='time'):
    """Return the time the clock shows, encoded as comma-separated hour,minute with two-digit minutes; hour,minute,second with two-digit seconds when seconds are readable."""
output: 8,19,01
